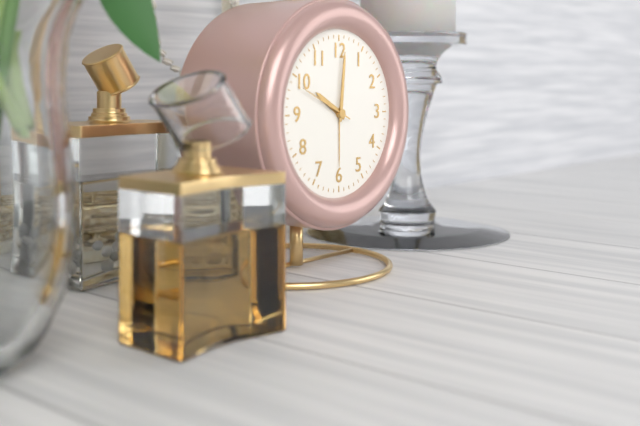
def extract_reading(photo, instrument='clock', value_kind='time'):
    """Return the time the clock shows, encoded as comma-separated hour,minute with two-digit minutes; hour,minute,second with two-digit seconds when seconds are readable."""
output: 10,01
